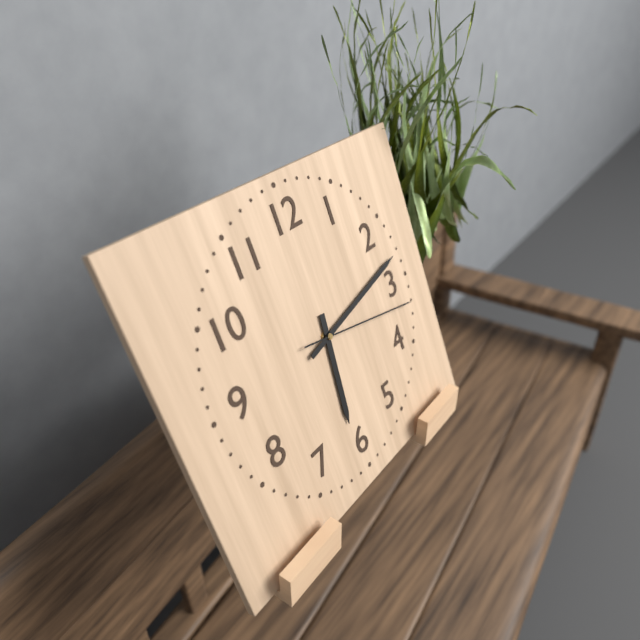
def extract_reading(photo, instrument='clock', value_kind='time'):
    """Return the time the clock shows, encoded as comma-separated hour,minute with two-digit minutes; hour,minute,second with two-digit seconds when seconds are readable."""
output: 6,13,17
